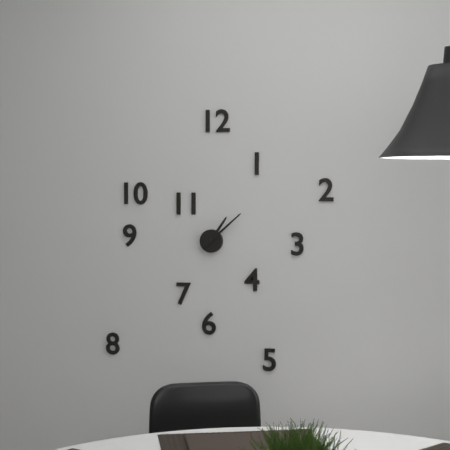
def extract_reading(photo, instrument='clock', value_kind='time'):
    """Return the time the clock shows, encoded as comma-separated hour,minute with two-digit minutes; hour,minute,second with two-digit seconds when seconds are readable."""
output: 1,08
